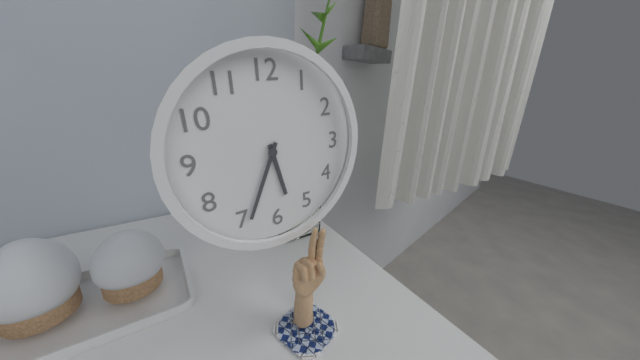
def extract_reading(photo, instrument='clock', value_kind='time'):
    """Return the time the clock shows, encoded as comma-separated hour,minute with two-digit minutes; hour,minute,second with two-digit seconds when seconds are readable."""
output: 5,34
